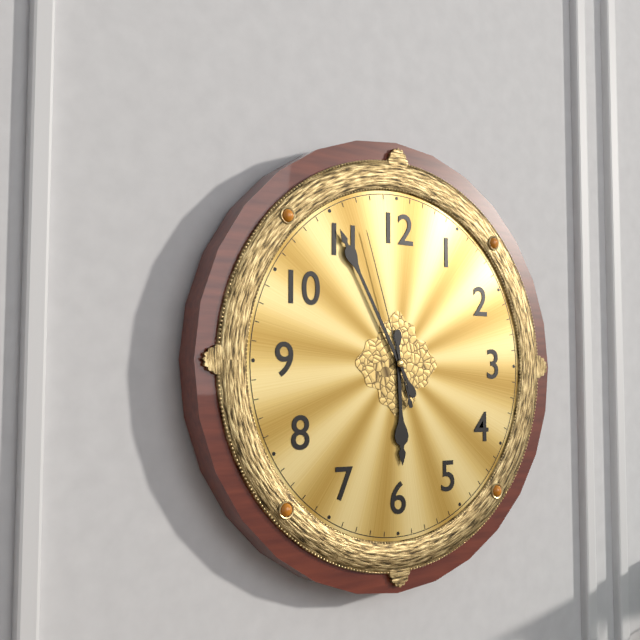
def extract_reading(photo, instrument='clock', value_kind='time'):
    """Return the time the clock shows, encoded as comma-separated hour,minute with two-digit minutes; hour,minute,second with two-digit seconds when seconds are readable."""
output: 5,55,57
